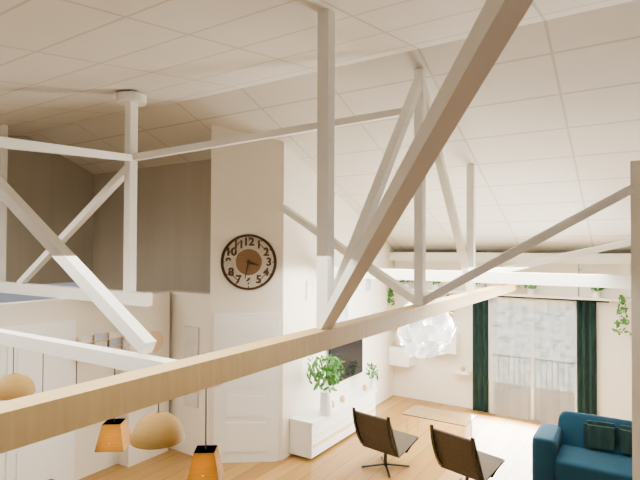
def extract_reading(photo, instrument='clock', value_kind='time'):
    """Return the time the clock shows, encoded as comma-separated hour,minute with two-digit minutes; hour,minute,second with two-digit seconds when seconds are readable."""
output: 3,32
